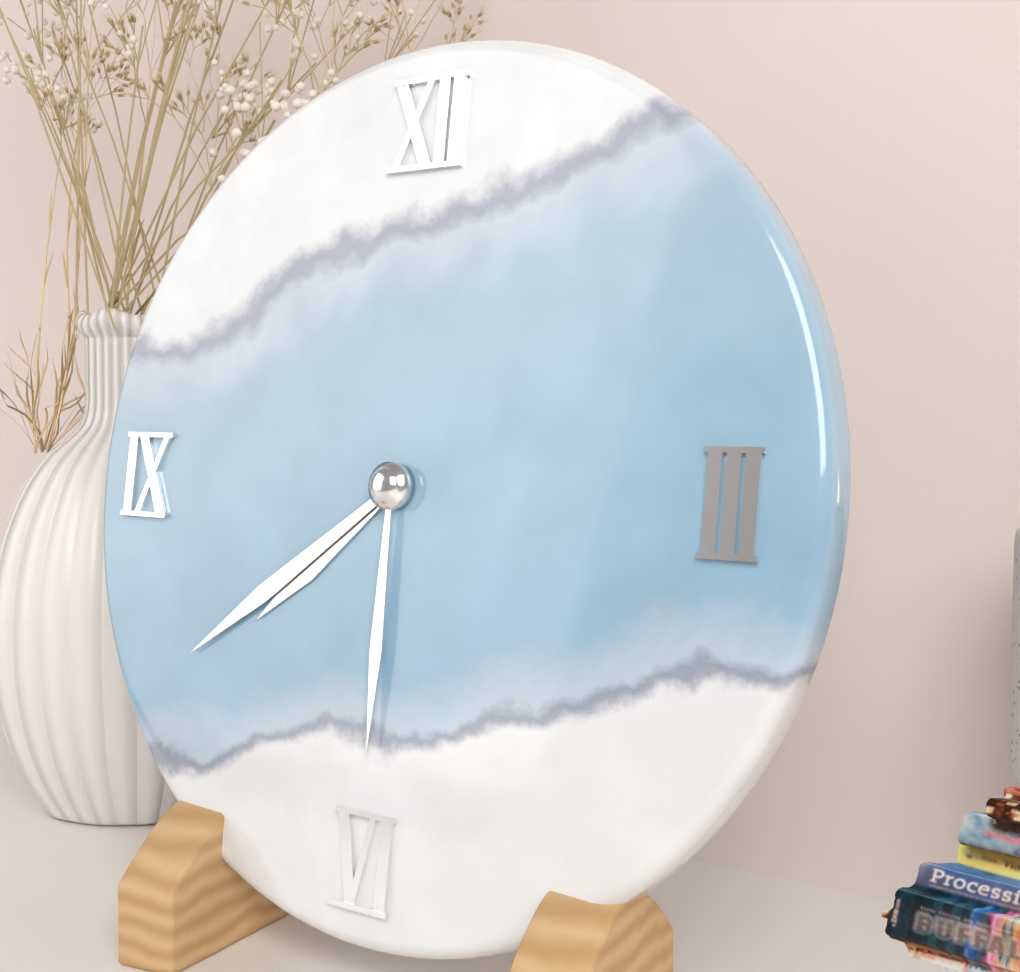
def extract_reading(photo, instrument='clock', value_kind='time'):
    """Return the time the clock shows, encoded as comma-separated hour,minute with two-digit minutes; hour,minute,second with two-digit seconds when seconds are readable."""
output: 7,39,30
